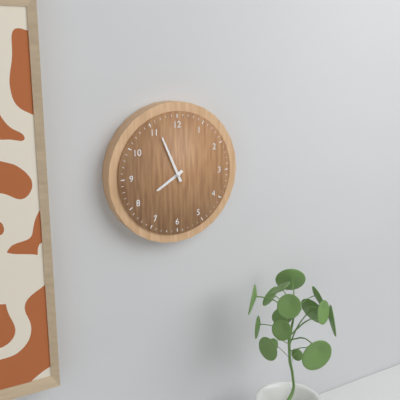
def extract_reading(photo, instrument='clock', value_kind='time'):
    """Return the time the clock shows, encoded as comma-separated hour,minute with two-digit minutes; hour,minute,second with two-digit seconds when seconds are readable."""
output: 7,56
